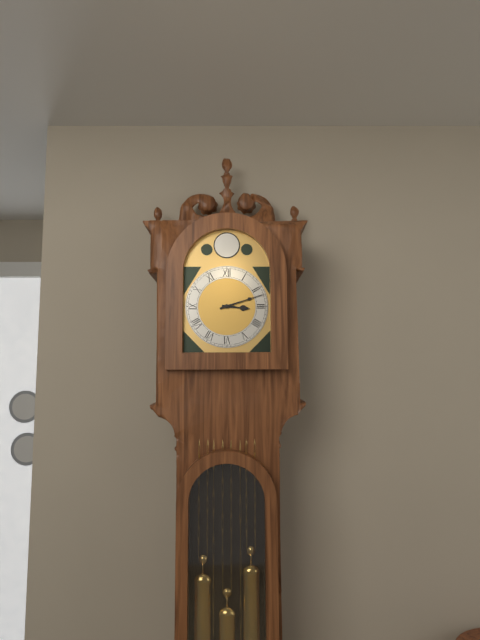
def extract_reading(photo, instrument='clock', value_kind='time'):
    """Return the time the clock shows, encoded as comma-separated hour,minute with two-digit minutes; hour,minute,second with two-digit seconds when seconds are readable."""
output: 3,12
